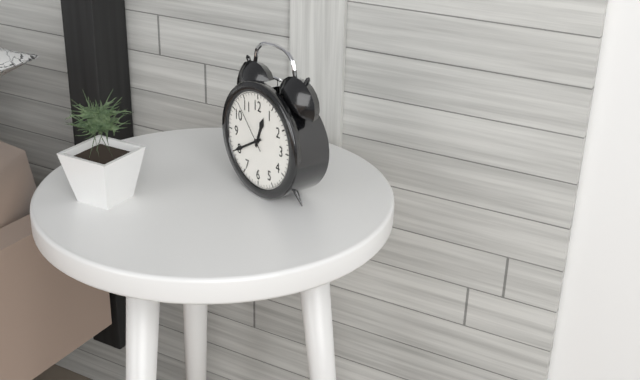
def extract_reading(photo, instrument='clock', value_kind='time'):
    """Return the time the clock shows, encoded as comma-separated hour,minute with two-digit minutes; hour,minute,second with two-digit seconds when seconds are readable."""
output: 12,40,53
